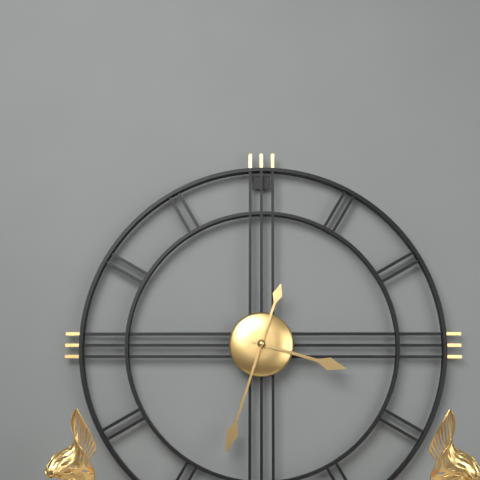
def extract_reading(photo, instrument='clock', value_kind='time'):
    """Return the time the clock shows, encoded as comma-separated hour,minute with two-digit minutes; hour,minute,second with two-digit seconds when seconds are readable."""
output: 3,33
